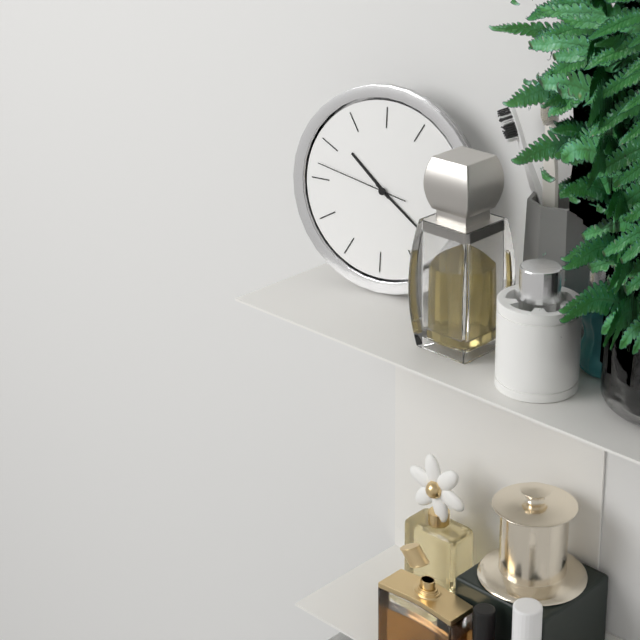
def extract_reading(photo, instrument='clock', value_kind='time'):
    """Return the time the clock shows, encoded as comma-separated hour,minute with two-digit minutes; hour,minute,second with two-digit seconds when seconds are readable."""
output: 10,21,47
